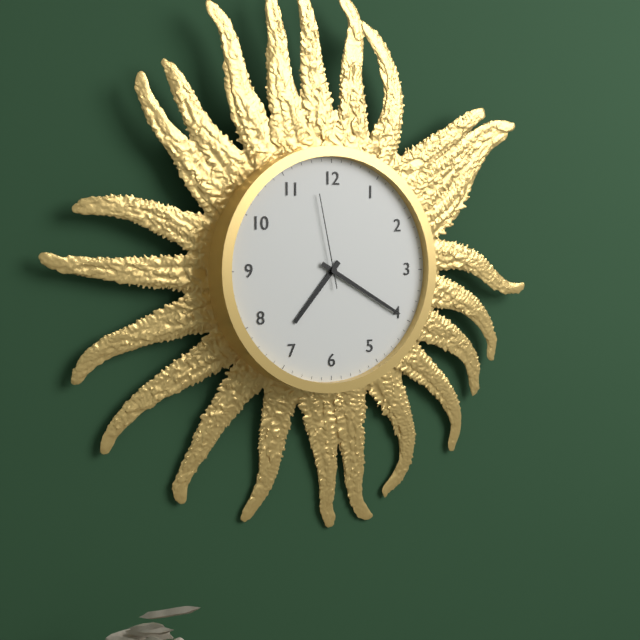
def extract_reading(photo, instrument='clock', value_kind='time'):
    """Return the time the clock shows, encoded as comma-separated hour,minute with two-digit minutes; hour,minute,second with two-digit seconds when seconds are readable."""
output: 7,20,58
